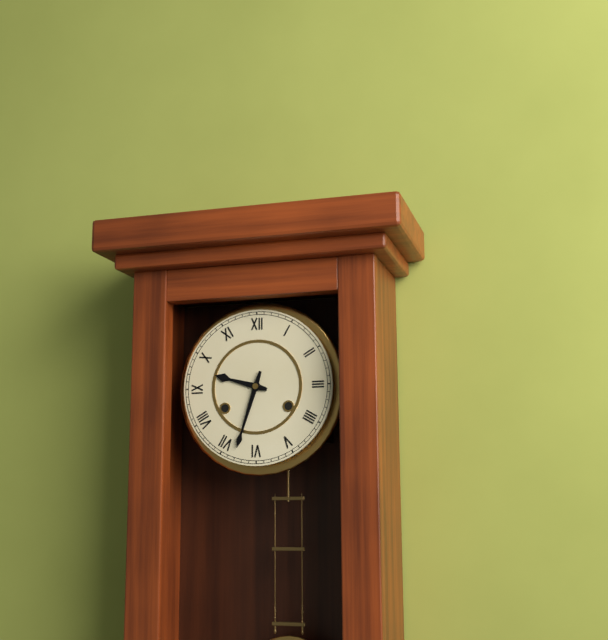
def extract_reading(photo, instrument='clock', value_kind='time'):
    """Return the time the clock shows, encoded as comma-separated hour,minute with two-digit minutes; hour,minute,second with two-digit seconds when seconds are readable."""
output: 9,33
